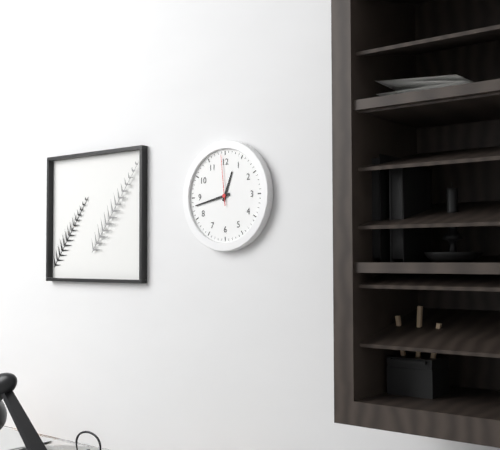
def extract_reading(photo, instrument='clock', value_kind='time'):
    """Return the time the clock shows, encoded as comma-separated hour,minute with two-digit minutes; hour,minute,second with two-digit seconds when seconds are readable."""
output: 12,43,59
